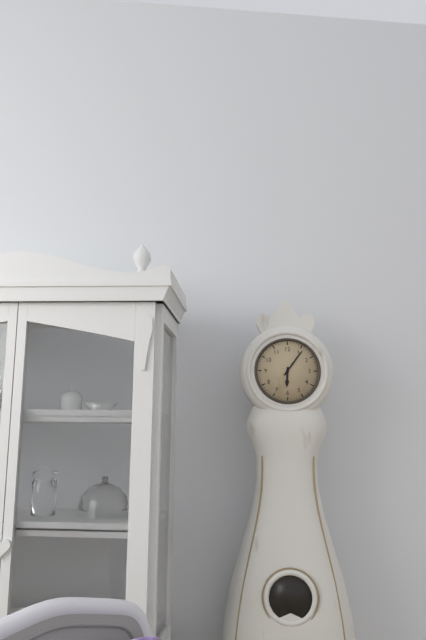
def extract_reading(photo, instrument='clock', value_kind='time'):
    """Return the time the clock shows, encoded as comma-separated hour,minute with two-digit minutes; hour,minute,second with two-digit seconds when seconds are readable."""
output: 6,06
